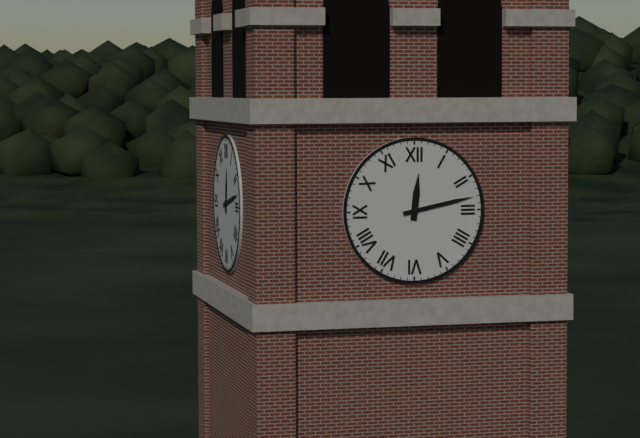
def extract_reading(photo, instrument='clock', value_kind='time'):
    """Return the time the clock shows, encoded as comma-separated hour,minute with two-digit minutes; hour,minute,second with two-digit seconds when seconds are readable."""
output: 12,13
